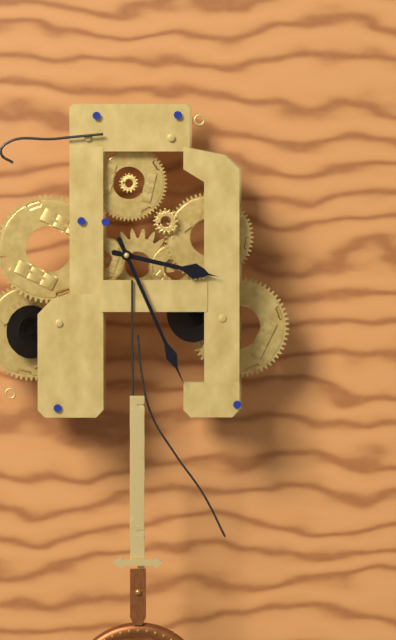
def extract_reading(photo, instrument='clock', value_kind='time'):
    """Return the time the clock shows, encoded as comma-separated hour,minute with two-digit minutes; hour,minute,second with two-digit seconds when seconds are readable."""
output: 3,26
